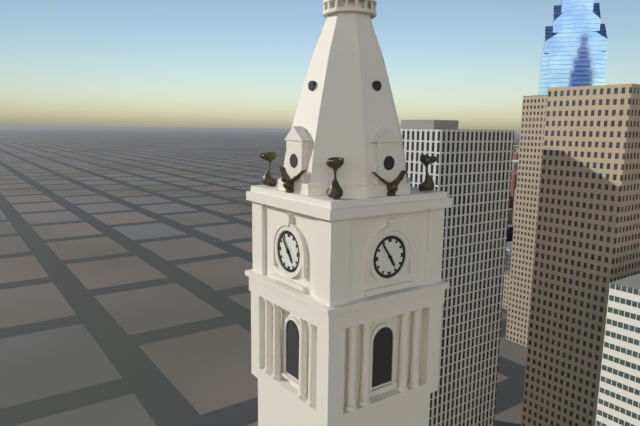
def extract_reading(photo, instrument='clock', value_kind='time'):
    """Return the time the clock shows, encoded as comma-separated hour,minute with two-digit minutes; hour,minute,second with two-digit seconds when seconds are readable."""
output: 4,54
